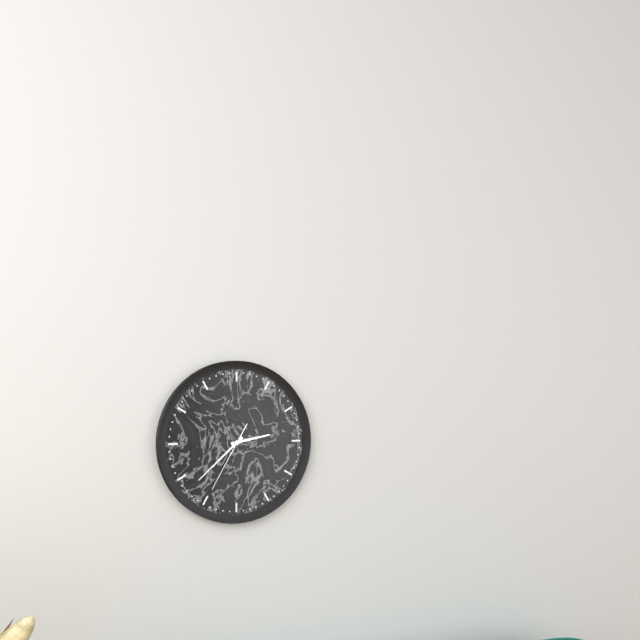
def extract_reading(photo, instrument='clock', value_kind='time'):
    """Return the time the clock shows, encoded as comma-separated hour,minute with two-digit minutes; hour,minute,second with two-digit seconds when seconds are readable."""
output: 2,38,35
